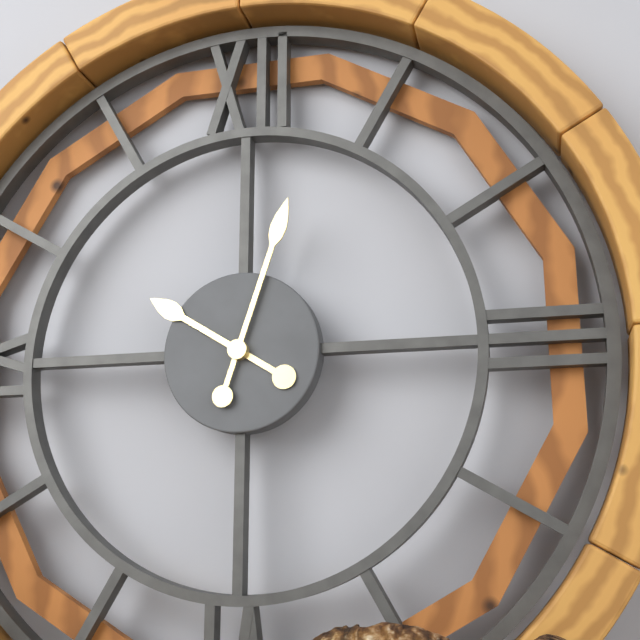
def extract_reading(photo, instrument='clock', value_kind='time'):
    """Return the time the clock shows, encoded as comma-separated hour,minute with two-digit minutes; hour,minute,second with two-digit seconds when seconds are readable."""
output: 10,03
